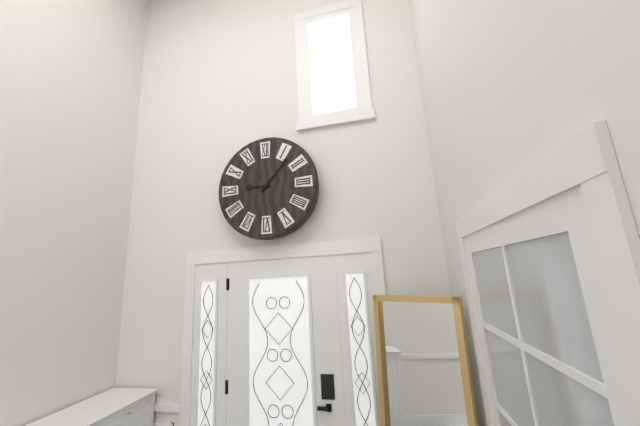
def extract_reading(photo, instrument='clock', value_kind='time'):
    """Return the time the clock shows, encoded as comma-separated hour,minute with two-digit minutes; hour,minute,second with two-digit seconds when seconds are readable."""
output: 9,07
